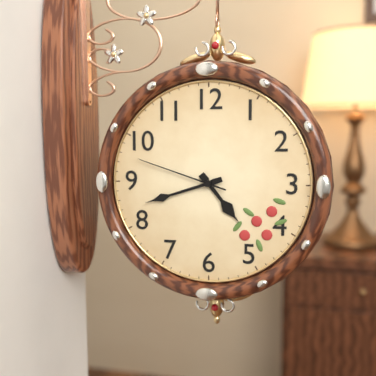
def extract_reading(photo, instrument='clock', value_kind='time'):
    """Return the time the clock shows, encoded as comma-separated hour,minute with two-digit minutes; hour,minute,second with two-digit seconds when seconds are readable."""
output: 4,42,48
